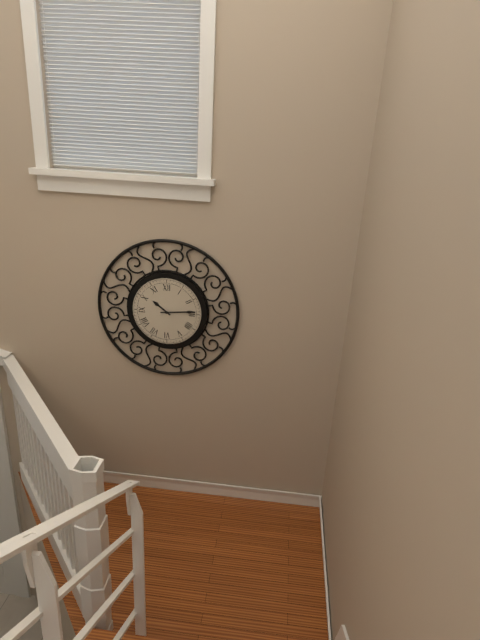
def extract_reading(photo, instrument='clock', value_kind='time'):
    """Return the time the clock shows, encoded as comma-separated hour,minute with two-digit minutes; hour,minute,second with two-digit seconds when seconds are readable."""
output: 10,14
